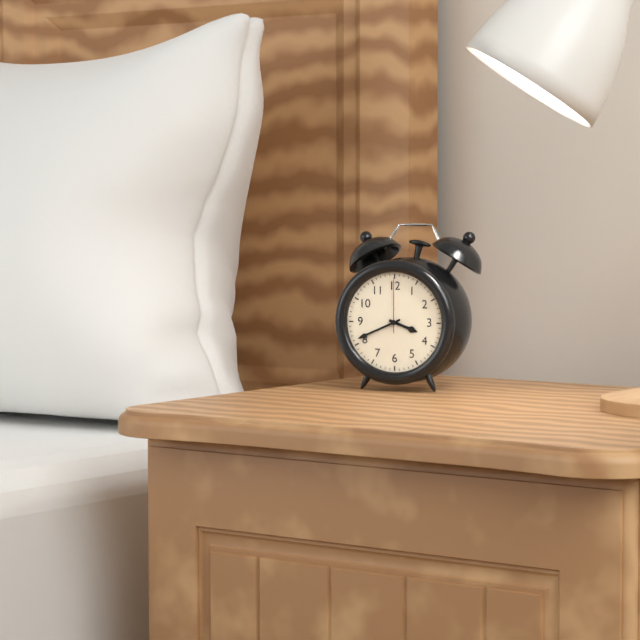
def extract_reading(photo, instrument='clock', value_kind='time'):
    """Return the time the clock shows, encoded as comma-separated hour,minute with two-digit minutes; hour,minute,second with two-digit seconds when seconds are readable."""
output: 3,41,00
